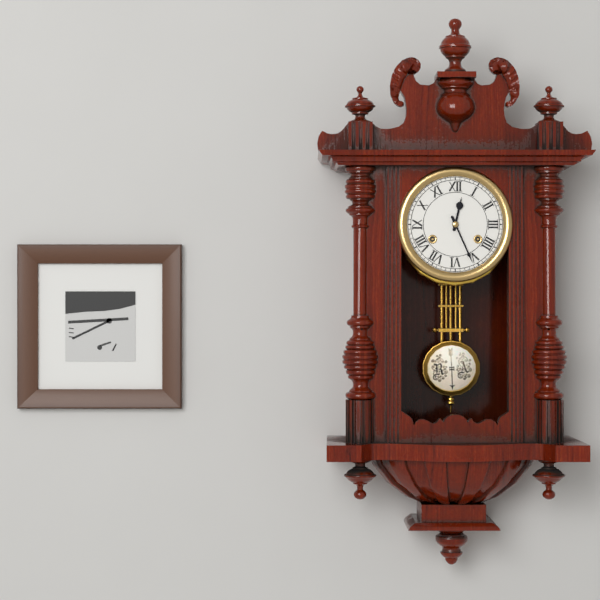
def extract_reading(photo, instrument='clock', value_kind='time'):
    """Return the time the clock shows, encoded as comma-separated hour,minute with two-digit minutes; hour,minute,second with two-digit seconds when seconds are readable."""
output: 12,26
